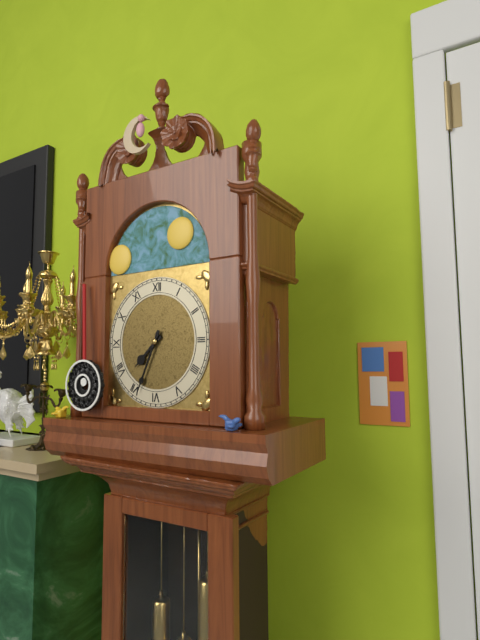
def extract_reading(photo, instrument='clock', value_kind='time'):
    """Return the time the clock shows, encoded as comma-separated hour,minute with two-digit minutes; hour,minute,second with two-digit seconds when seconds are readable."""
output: 7,34
